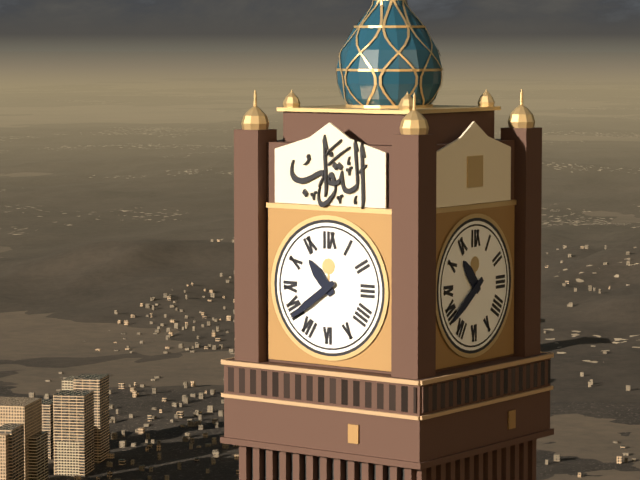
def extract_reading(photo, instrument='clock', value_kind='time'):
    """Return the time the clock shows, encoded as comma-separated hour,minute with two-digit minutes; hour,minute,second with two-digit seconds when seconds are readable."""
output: 10,39
